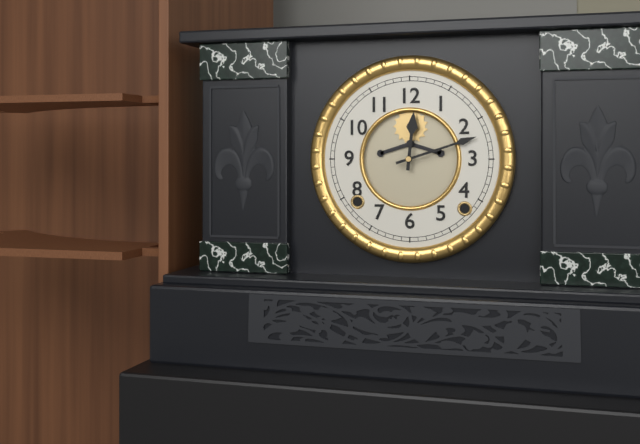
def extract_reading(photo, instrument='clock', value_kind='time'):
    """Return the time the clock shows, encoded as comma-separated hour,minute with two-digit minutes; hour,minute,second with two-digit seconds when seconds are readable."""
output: 12,12
